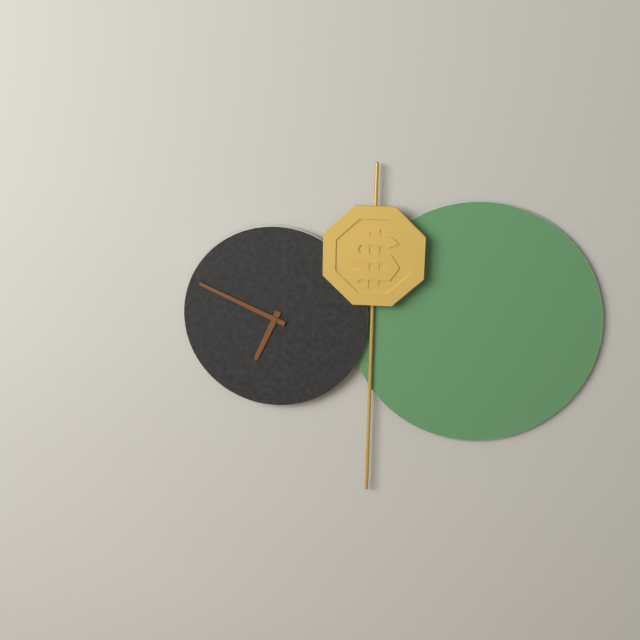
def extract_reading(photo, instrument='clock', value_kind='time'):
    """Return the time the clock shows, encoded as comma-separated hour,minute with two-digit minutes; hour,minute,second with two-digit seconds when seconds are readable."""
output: 6,49
